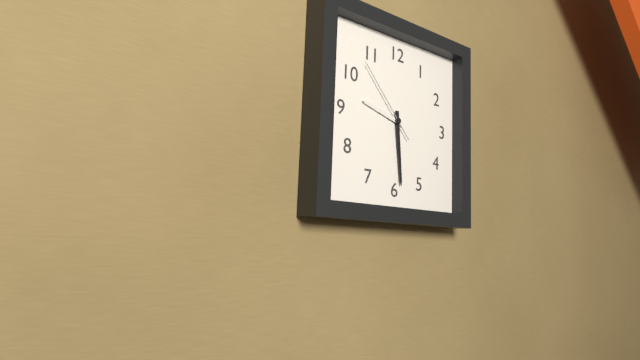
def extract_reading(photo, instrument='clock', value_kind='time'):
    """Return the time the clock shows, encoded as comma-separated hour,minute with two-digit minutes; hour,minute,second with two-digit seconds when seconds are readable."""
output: 9,29,53
